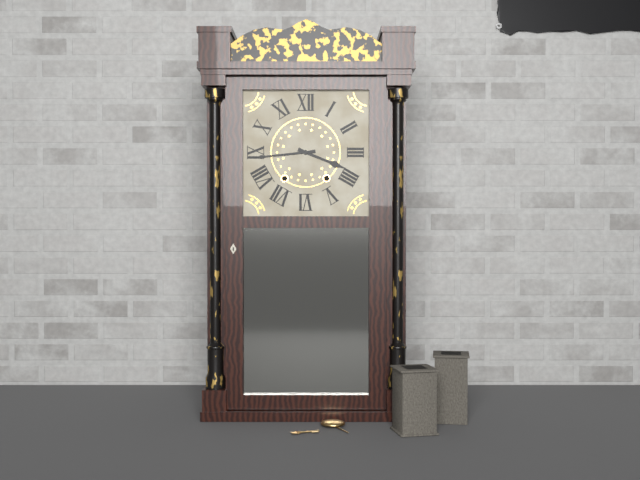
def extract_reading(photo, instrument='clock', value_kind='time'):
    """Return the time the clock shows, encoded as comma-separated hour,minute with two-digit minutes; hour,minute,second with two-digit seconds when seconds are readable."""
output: 3,44
